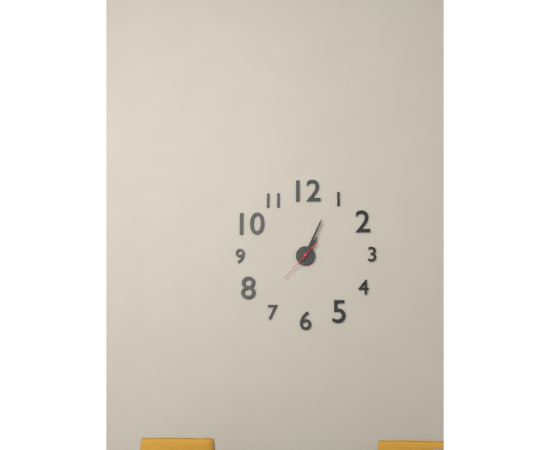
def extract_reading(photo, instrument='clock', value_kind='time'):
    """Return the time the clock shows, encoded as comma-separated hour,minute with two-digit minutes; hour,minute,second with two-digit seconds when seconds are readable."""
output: 1,04
